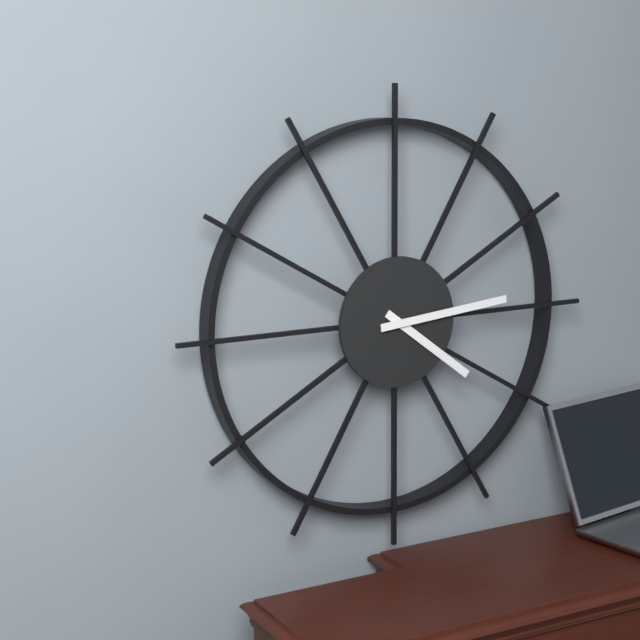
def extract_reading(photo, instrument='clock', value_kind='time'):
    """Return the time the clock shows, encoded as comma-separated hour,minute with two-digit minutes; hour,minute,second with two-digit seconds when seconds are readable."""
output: 4,14
